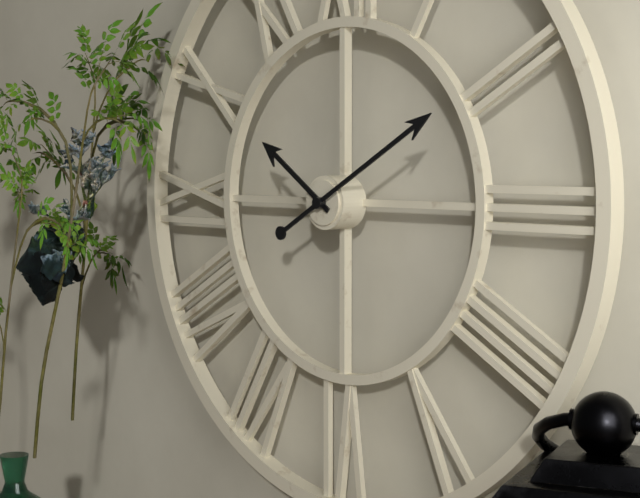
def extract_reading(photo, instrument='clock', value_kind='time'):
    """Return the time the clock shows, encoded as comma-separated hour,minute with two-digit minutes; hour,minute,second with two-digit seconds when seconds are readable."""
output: 10,10
